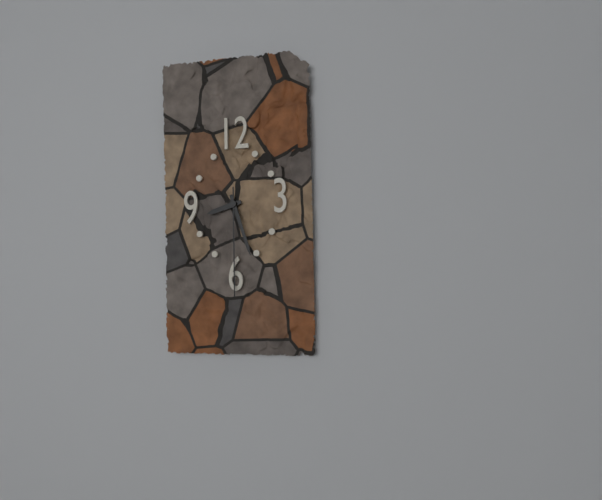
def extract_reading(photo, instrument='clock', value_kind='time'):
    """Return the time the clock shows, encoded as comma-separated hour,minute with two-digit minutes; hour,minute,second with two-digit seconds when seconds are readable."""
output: 8,27,30
